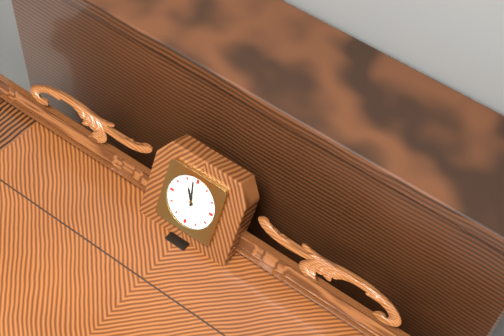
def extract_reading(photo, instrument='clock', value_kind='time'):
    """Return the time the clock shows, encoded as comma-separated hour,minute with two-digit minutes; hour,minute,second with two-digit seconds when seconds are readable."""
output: 10,58
